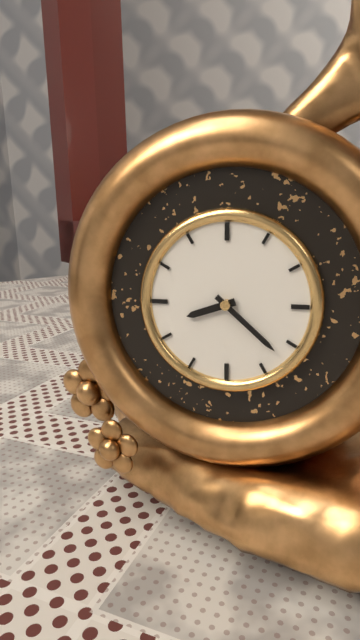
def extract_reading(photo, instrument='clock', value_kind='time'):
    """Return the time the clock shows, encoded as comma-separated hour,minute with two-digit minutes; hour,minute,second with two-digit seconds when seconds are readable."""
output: 8,22
